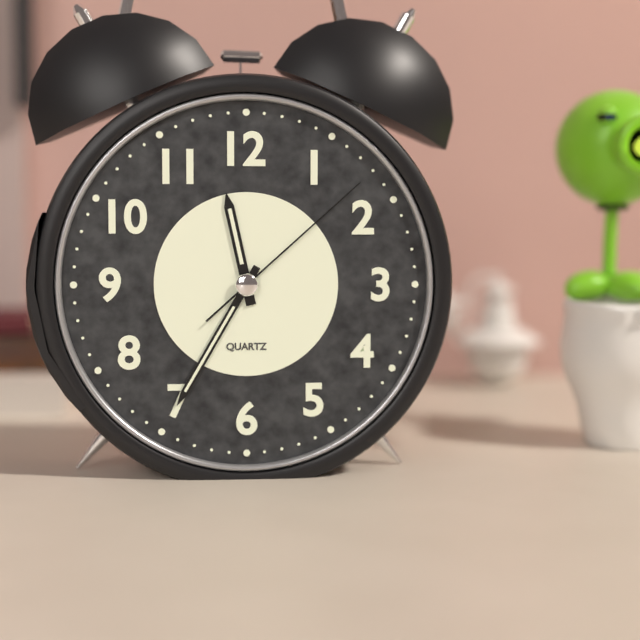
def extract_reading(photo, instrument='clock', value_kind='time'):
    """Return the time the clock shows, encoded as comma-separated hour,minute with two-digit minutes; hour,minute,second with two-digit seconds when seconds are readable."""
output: 11,35,08
